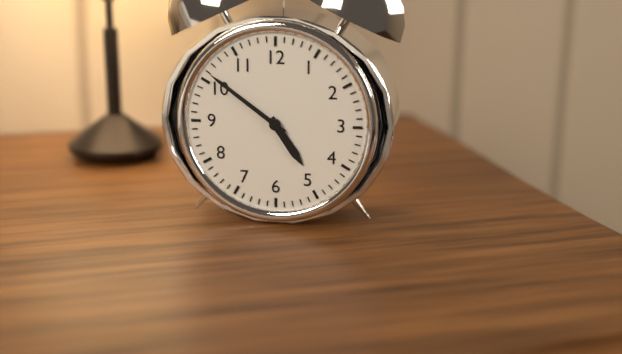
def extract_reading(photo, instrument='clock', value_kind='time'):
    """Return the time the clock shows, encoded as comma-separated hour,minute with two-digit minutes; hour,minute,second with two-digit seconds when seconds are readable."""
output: 4,51
